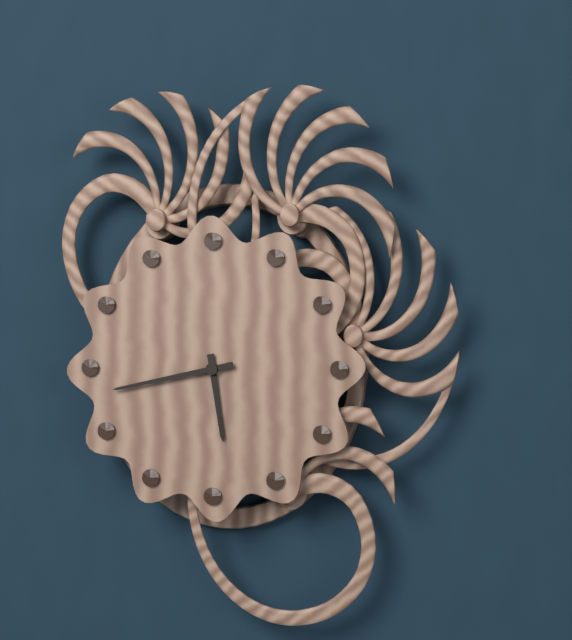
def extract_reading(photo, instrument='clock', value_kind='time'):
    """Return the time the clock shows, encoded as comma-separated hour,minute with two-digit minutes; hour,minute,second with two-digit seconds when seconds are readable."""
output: 5,43
